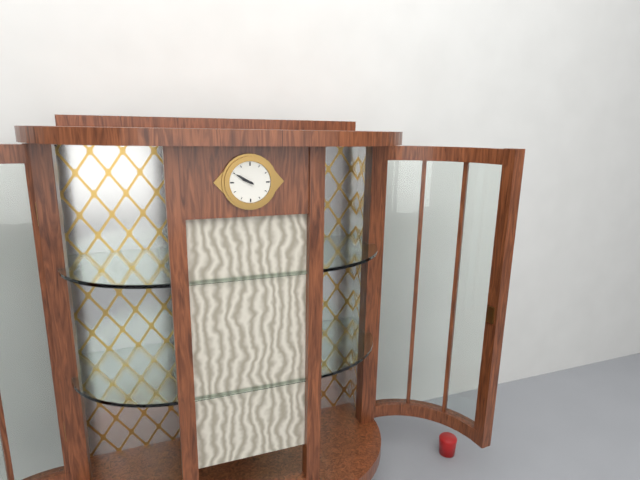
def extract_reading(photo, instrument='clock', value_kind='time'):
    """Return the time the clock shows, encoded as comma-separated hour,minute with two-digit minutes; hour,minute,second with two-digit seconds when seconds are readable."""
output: 9,50
